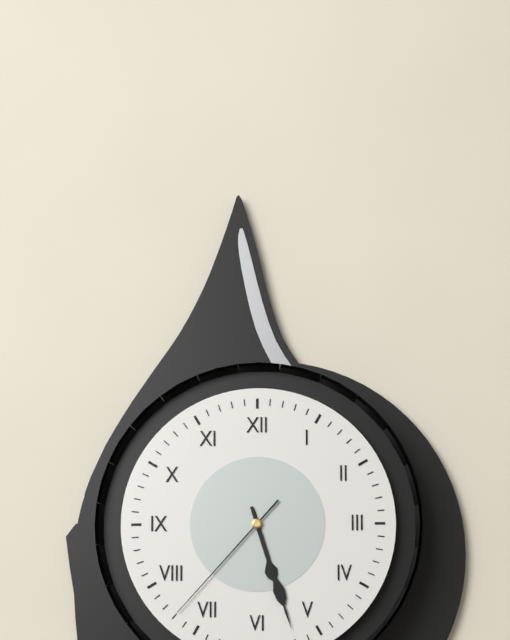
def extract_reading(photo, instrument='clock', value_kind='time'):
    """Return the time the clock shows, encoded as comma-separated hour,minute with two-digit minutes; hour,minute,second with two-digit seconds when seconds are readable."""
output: 5,27,37
